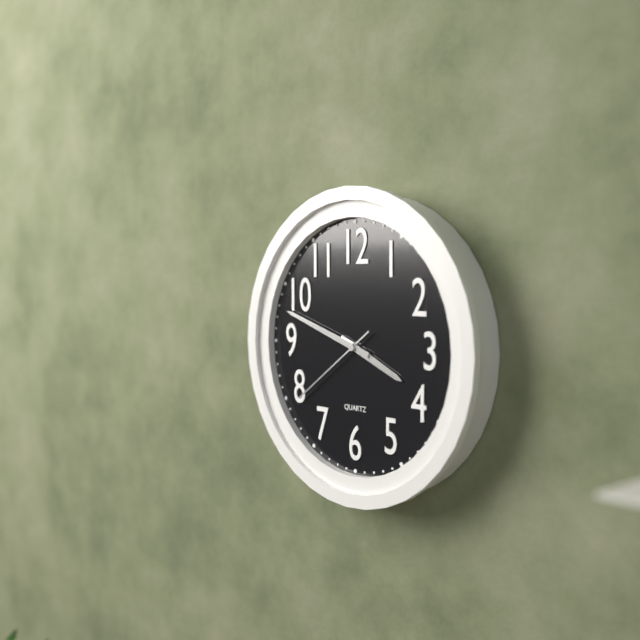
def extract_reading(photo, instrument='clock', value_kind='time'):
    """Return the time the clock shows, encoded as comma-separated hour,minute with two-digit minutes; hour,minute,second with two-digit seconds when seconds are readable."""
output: 3,48,39
